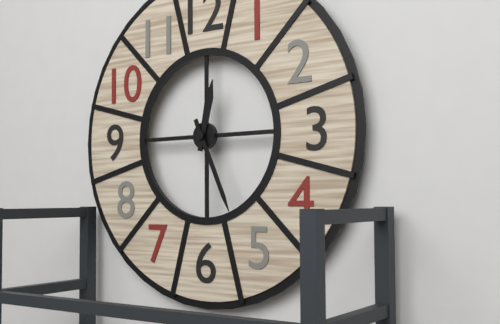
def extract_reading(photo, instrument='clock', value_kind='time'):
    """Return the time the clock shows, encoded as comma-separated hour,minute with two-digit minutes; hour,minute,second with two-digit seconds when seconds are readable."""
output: 12,26
